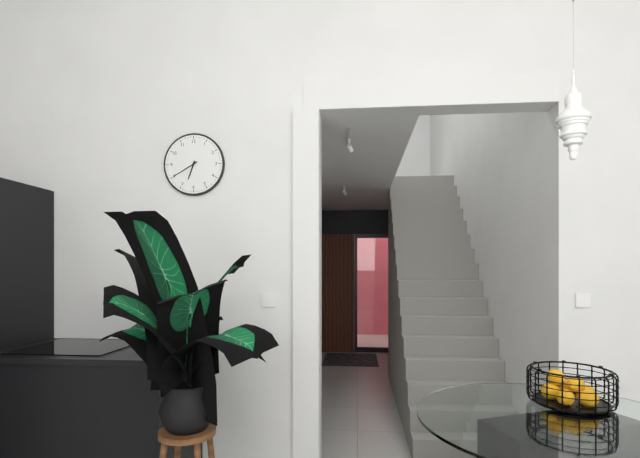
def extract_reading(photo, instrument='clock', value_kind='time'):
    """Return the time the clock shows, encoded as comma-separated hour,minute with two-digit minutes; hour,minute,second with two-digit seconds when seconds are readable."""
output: 6,40
